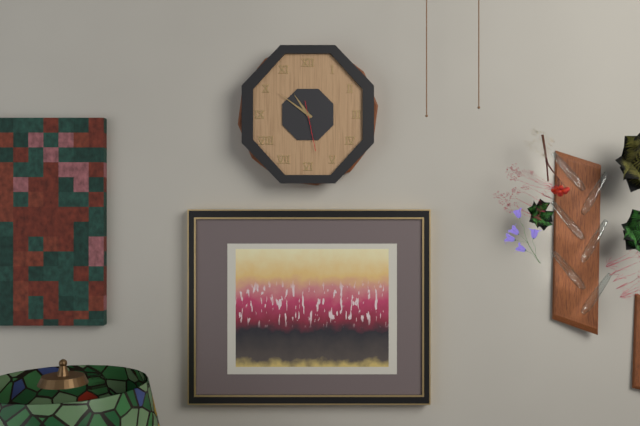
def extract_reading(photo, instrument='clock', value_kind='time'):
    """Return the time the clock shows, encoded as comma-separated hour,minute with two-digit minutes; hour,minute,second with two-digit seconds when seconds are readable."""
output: 10,51
